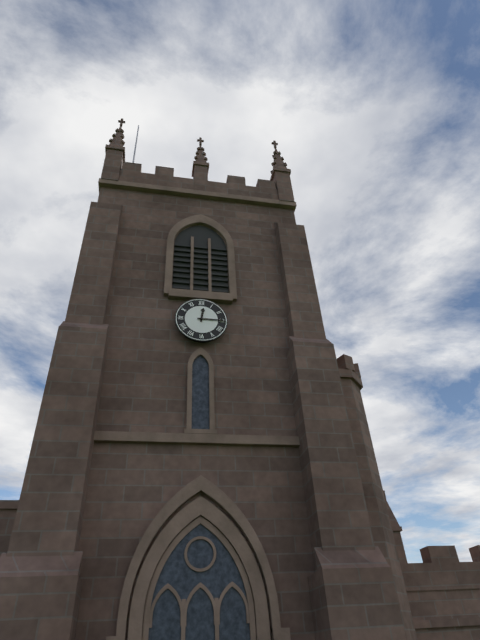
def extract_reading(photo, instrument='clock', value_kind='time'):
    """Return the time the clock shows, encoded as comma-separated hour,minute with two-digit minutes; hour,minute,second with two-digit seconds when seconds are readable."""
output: 12,15
